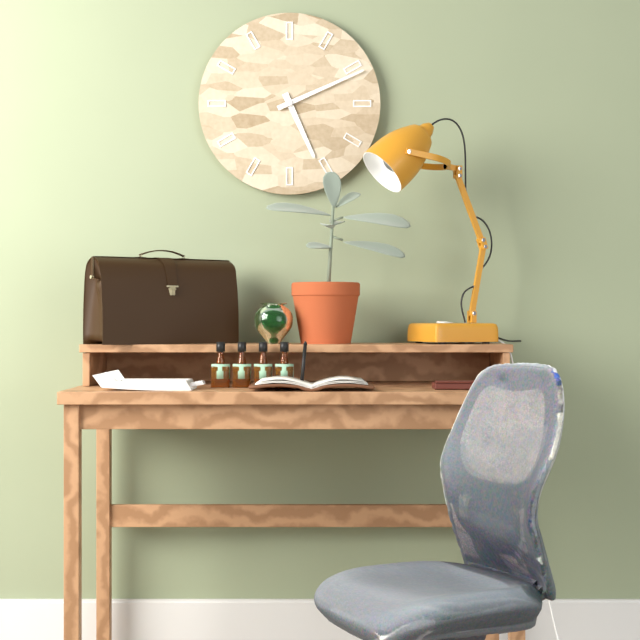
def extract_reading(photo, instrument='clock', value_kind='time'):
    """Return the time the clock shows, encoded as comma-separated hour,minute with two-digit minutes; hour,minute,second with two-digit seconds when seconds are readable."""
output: 5,11
